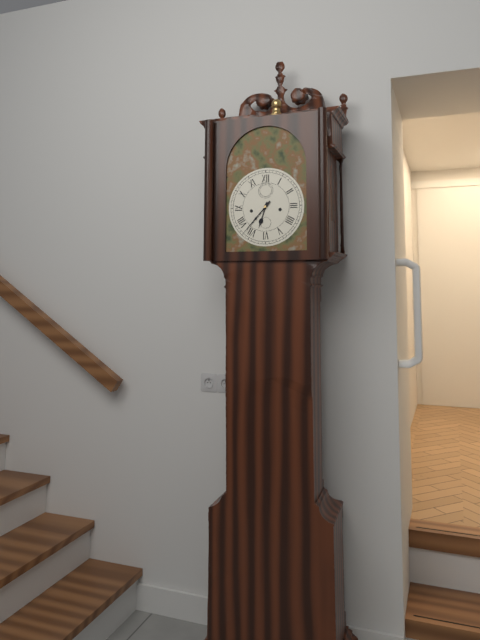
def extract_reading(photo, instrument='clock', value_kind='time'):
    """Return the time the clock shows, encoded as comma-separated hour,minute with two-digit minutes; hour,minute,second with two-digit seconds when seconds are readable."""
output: 6,37
